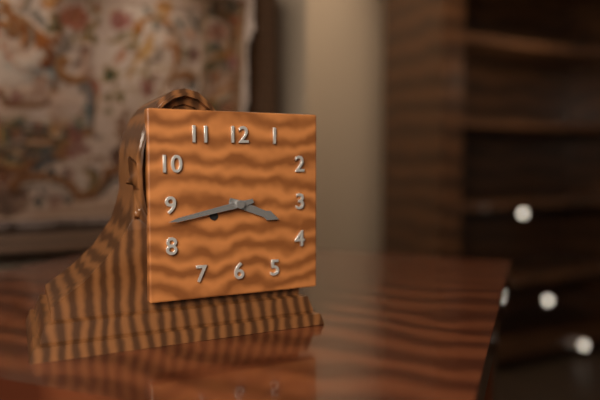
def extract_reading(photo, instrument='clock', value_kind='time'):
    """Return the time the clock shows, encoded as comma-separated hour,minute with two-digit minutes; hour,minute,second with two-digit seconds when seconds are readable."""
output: 3,43
